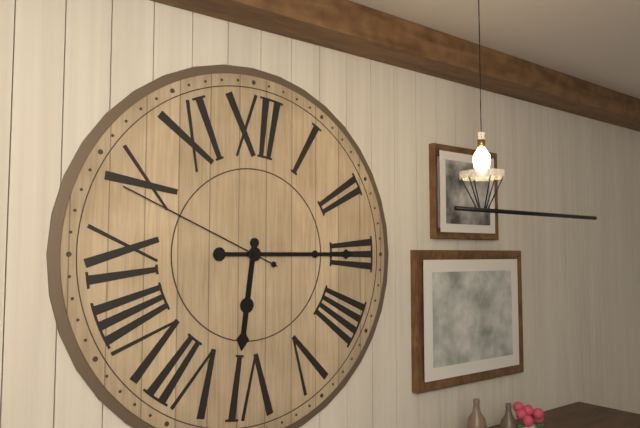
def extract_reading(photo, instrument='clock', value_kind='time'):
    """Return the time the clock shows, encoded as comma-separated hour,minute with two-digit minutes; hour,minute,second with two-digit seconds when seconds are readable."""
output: 6,15,49
